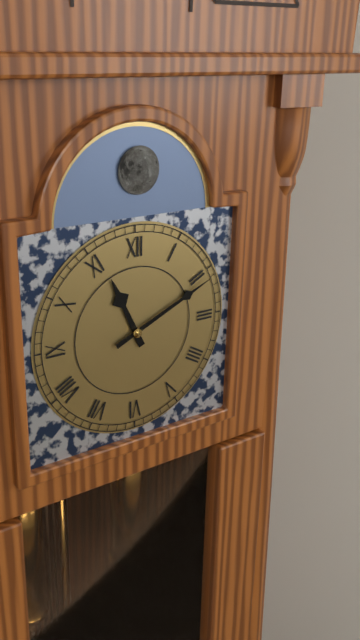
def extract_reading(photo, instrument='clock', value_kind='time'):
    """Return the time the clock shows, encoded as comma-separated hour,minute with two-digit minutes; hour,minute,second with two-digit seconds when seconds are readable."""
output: 11,11
